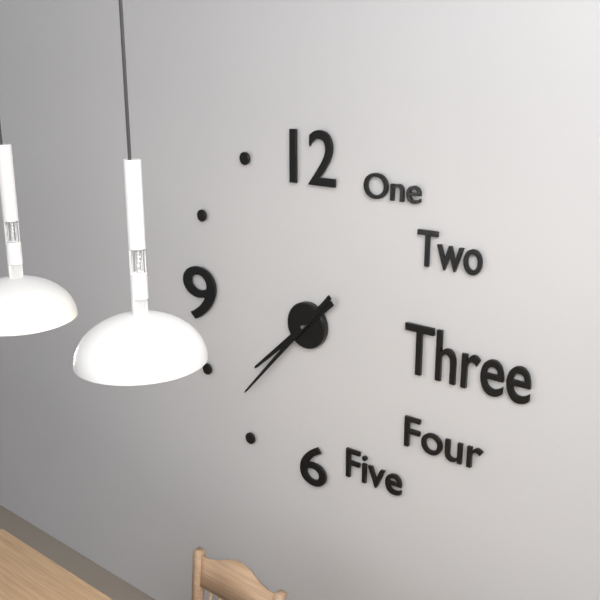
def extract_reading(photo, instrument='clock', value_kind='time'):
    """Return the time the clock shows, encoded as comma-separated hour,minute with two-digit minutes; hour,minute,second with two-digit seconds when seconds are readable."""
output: 7,37
